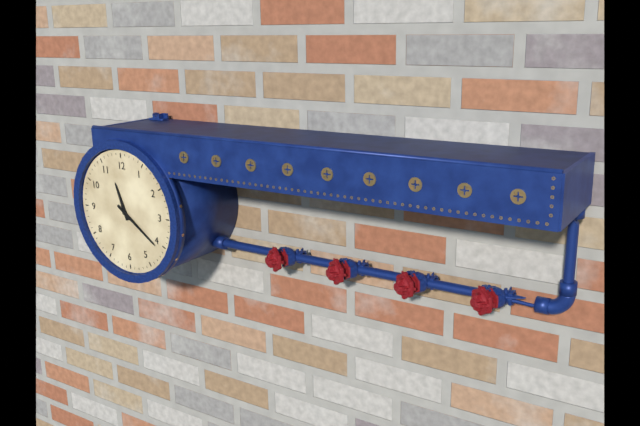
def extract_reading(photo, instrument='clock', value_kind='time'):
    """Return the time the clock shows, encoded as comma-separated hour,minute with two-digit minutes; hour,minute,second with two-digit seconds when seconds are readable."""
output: 11,21
